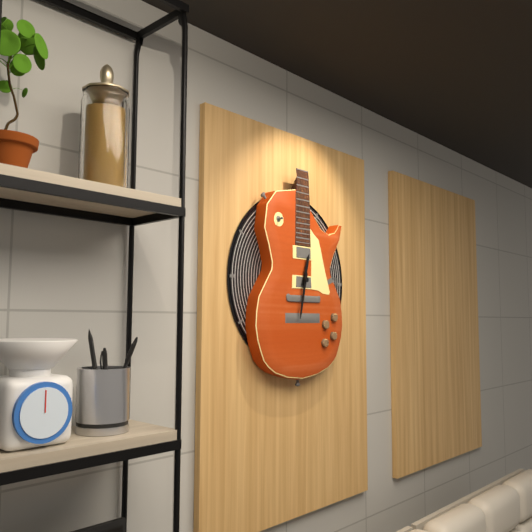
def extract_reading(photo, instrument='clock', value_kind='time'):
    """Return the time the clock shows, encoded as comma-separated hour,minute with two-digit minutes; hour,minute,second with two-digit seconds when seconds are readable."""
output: 12,32
